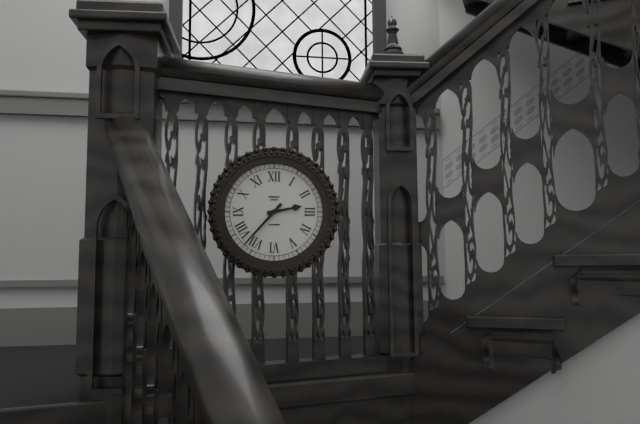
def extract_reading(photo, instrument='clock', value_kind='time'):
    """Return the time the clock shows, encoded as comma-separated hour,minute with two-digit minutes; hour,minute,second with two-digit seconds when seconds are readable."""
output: 2,37
